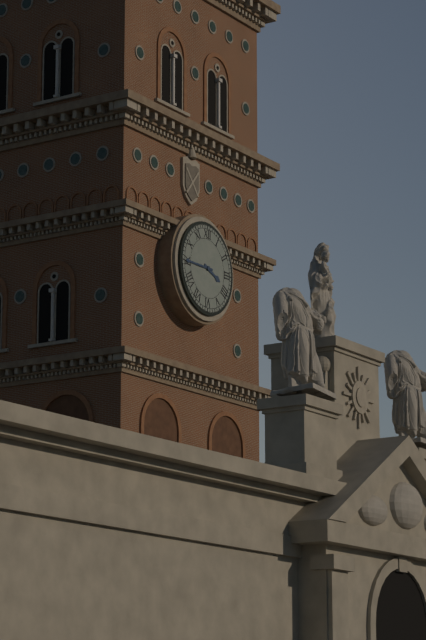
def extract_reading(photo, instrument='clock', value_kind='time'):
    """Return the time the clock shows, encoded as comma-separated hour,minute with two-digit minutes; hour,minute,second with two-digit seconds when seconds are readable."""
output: 3,45
